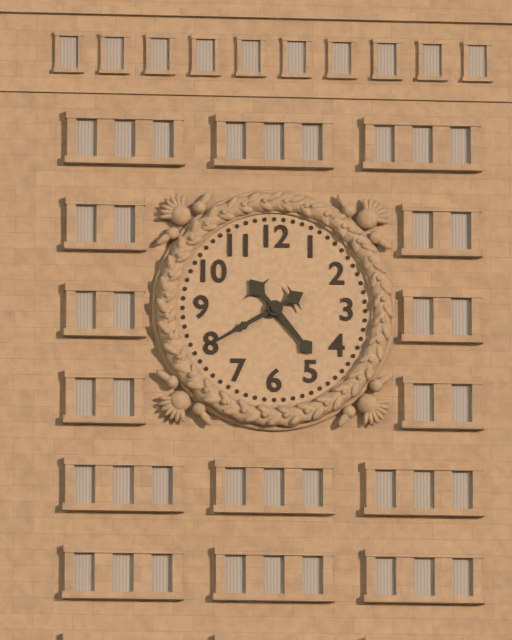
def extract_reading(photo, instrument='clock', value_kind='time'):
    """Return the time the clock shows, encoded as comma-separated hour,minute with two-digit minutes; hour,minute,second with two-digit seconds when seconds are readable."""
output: 4,40
